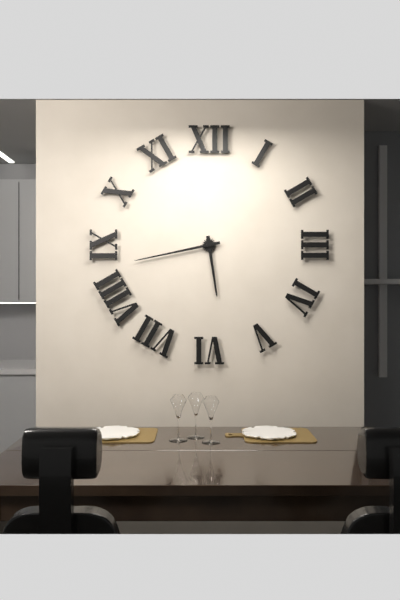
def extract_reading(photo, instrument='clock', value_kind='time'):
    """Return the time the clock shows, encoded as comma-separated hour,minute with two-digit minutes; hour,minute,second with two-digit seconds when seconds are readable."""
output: 5,43
